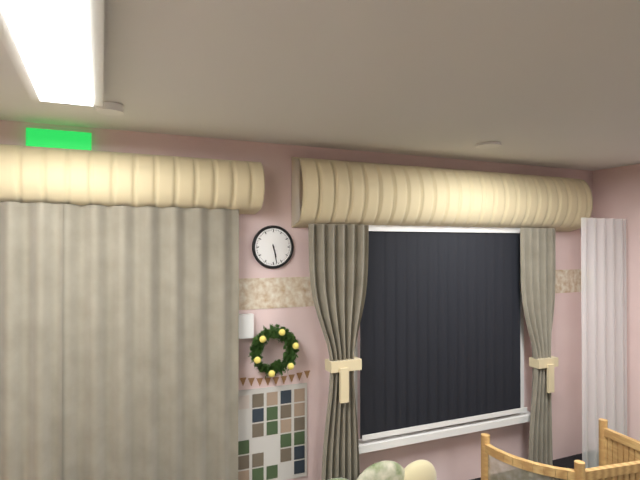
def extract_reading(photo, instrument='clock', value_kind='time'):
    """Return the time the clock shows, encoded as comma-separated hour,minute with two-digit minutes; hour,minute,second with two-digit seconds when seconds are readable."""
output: 5,28
